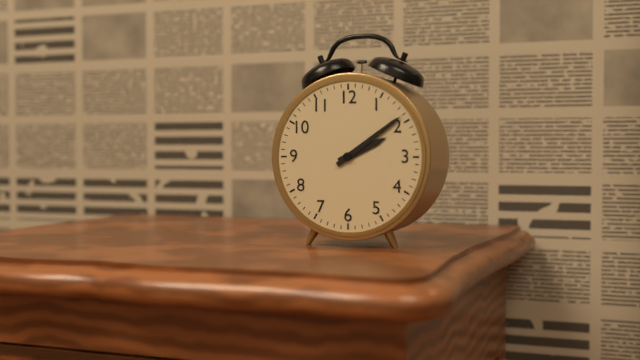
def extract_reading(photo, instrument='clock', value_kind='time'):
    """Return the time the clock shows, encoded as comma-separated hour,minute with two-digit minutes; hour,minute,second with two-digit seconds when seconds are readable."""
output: 2,09
